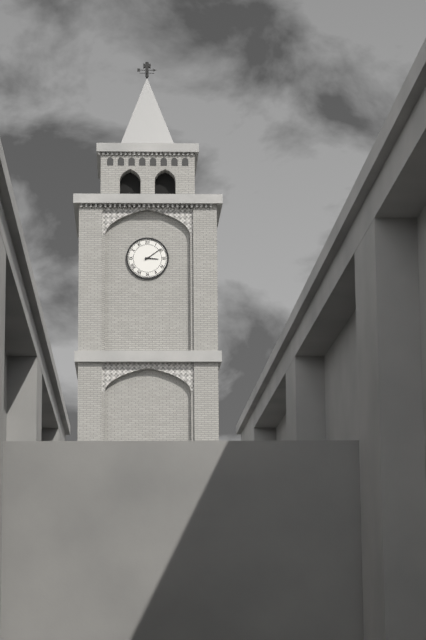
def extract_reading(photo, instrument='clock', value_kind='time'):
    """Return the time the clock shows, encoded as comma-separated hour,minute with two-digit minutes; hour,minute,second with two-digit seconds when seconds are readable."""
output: 3,09
